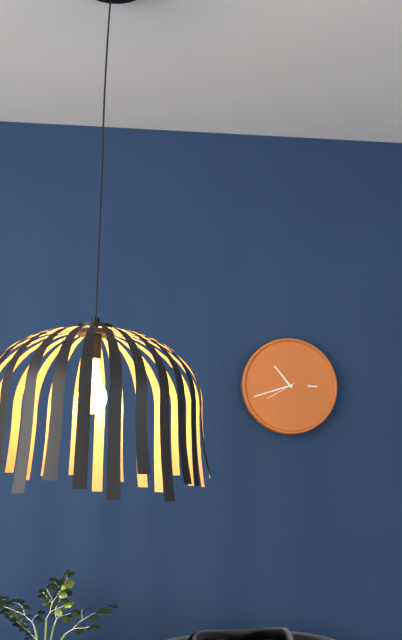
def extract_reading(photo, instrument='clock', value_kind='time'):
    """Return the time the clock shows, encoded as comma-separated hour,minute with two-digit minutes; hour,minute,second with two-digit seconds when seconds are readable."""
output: 10,42
